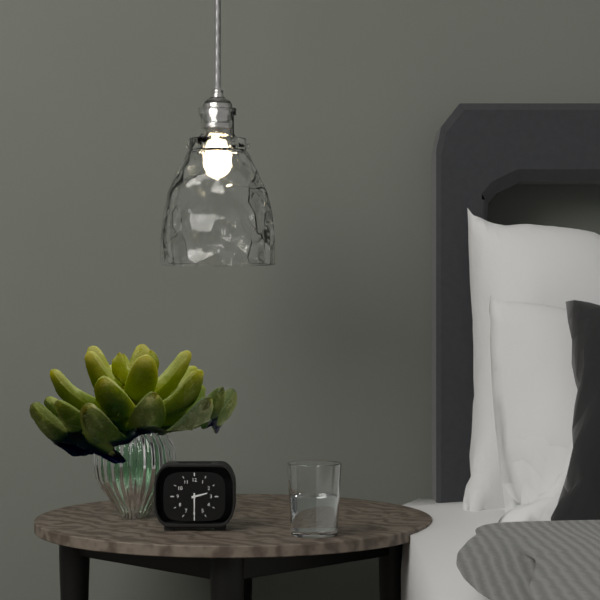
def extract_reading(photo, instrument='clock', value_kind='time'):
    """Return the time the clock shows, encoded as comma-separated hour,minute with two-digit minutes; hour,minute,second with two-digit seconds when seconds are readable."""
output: 2,30
